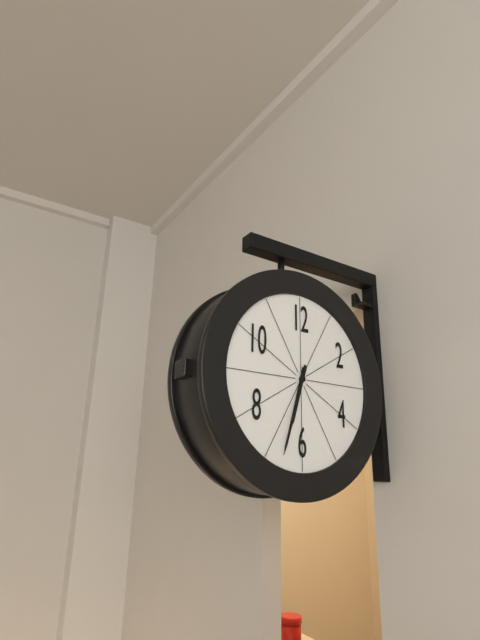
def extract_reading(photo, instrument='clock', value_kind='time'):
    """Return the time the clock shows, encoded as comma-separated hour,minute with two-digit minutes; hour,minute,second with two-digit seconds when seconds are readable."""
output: 6,33
